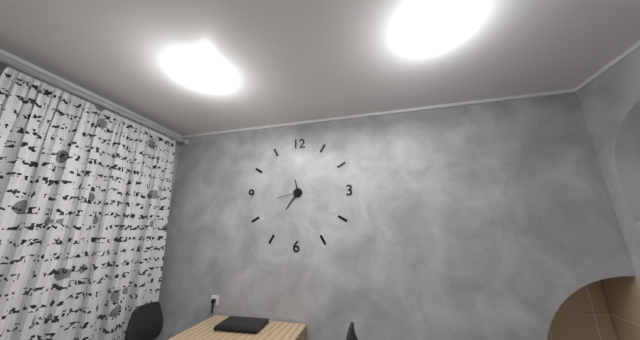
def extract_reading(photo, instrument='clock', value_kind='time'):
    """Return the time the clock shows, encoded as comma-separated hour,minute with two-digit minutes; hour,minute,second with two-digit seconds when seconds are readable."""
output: 11,36
